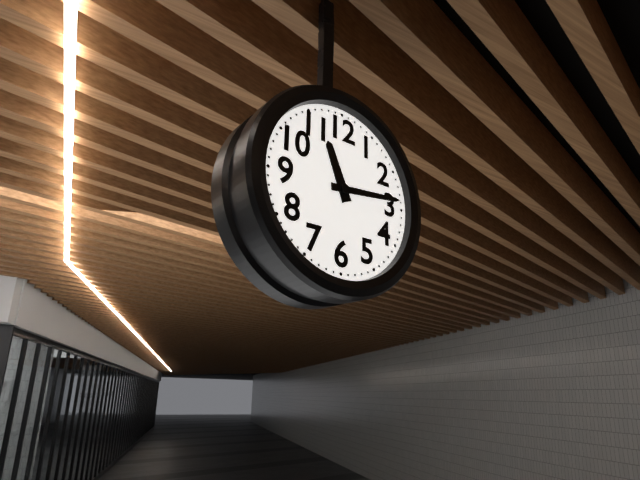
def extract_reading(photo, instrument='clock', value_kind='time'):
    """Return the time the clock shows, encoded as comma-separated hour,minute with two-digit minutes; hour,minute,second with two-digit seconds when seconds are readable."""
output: 11,14
